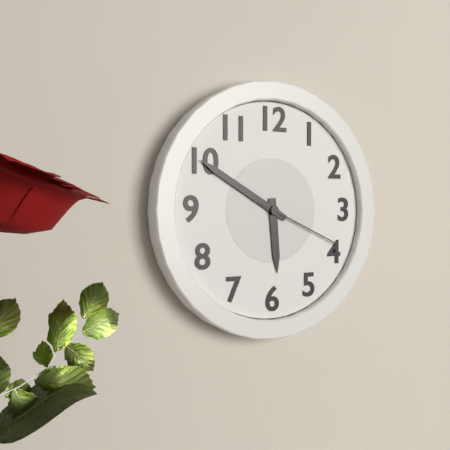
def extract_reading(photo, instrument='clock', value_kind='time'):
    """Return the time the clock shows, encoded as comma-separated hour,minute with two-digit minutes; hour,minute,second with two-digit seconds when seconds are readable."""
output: 5,50,19
